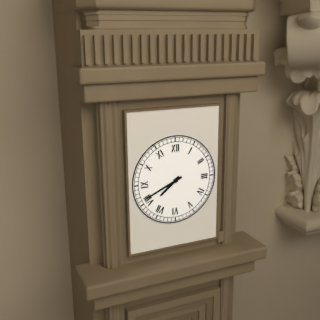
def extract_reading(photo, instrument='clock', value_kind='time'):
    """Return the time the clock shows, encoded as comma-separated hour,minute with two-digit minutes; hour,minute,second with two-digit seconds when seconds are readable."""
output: 7,41
